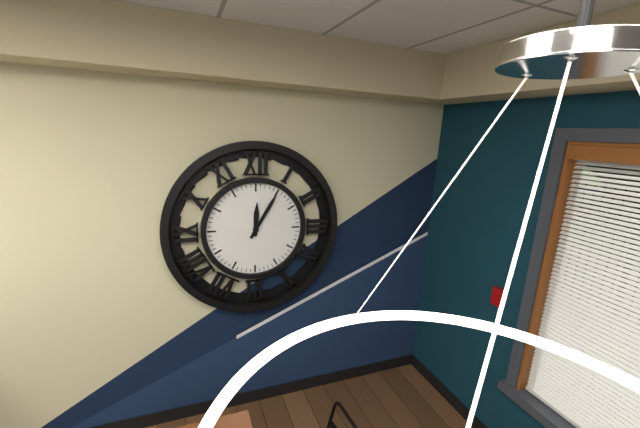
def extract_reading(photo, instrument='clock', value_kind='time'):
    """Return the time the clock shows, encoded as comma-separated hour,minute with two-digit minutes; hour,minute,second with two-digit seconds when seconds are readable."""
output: 12,05
